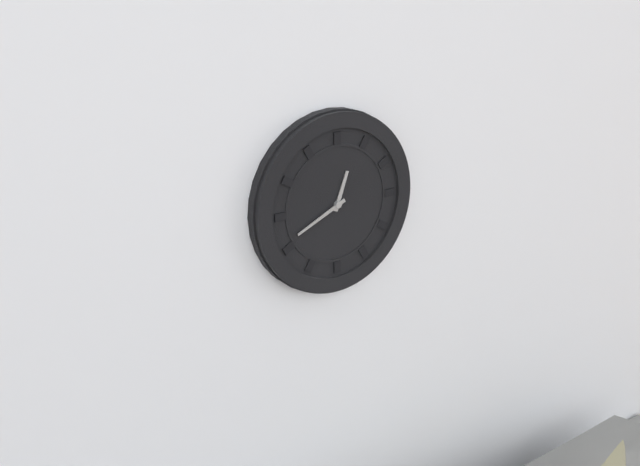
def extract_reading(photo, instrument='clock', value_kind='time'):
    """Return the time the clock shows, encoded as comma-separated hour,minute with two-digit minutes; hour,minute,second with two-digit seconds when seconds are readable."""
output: 12,41
